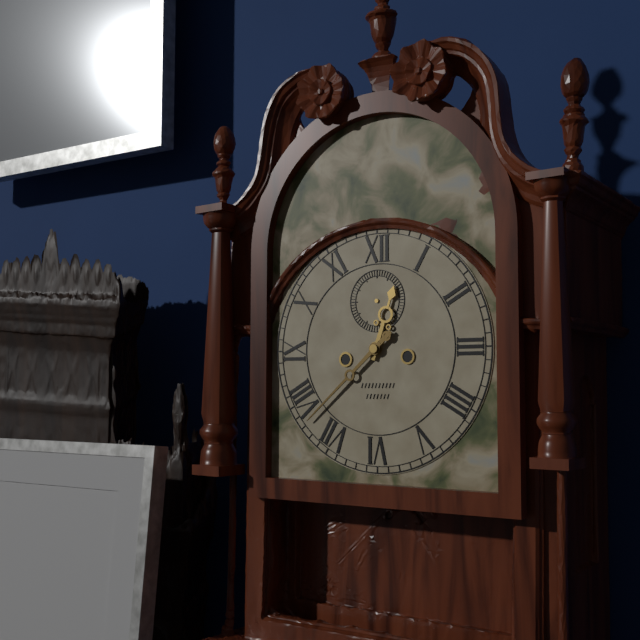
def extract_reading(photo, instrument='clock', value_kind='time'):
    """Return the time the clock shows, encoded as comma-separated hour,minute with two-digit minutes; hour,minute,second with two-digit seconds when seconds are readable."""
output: 12,38
